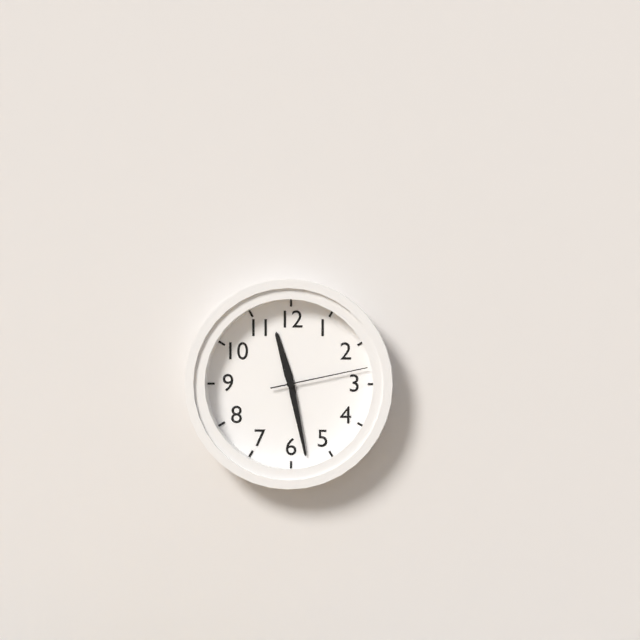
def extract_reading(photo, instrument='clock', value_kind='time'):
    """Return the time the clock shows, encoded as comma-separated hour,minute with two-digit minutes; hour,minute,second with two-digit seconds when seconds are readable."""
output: 11,28,13
